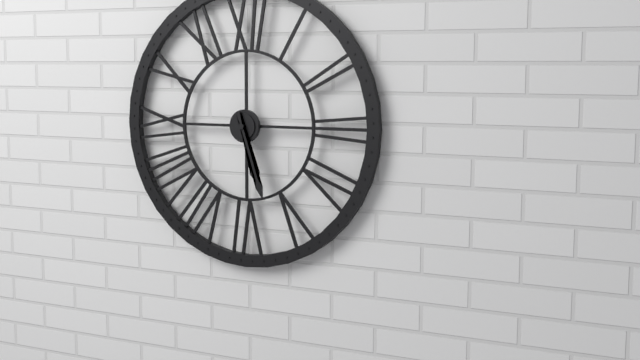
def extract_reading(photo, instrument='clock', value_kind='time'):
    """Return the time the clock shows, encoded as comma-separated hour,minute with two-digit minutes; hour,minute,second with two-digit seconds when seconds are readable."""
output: 5,27
